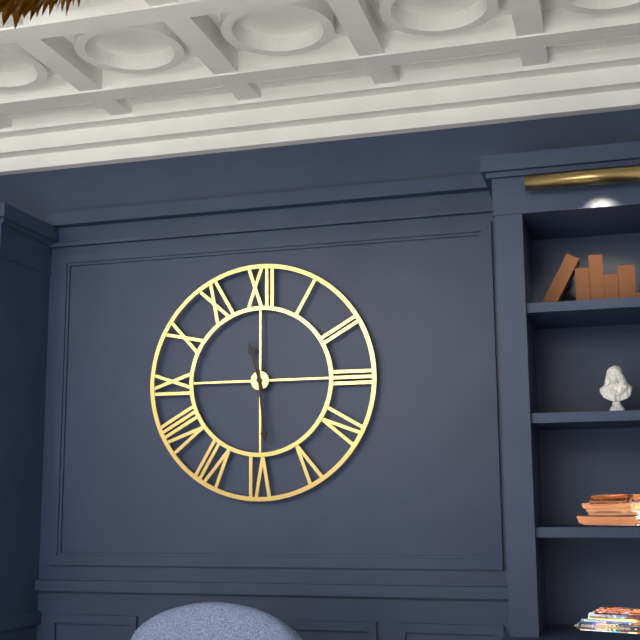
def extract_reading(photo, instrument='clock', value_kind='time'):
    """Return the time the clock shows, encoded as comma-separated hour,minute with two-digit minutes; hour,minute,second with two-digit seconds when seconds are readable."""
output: 11,29
